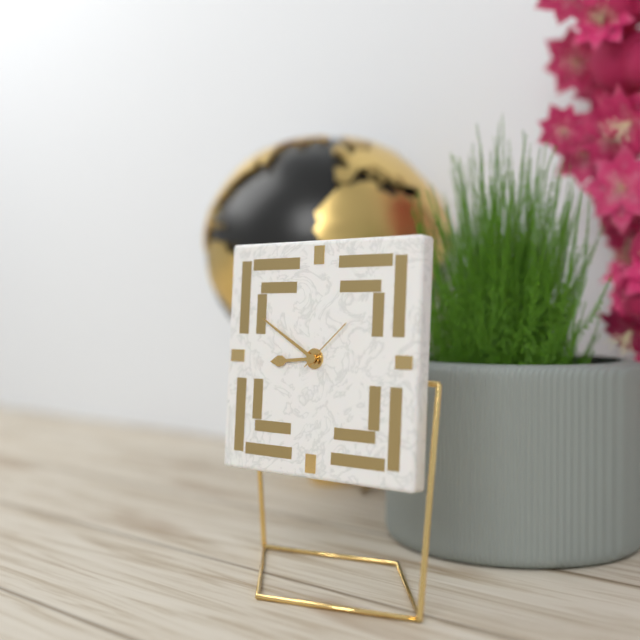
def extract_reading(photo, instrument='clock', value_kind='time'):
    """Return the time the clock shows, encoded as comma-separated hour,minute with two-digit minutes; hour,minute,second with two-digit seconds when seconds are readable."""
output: 8,50,08
